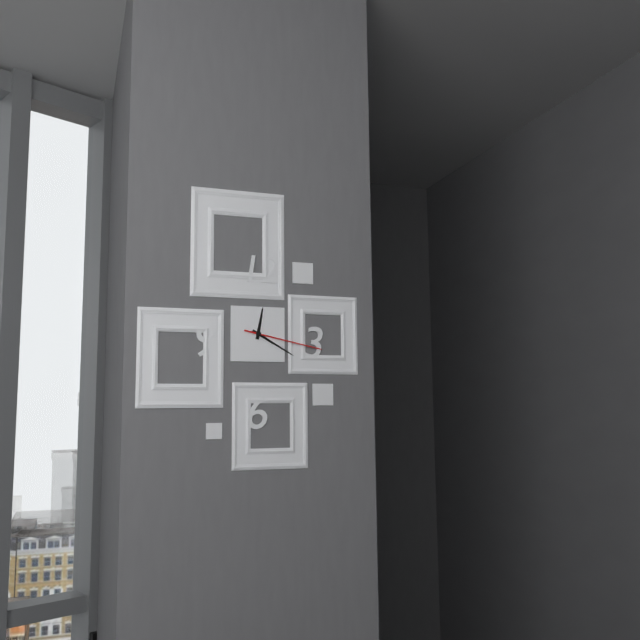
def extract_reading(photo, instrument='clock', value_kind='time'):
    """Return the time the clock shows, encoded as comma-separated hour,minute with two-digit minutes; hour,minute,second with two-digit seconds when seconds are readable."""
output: 12,20,17
